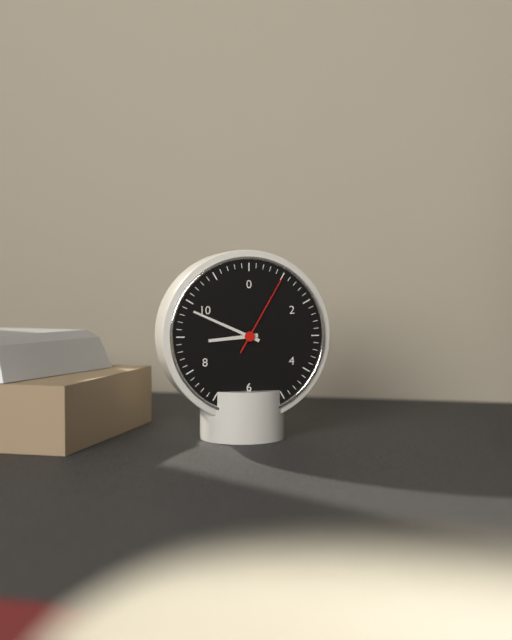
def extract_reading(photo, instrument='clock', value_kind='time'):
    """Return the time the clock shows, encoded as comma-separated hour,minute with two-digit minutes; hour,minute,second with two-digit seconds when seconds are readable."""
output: 8,49,05
